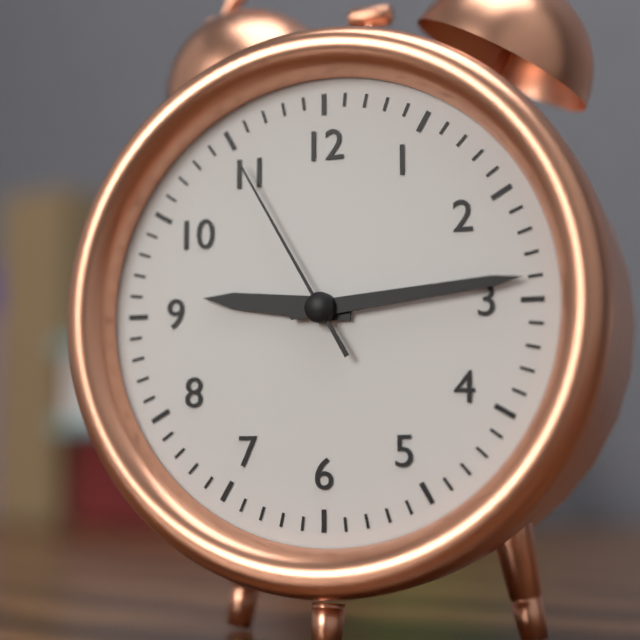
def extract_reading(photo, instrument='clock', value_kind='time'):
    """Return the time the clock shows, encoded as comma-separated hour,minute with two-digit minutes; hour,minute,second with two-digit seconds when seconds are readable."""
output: 9,14,55
